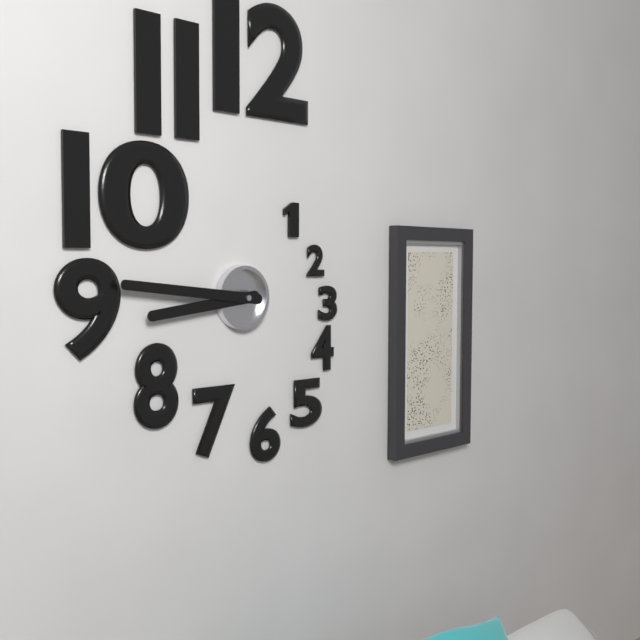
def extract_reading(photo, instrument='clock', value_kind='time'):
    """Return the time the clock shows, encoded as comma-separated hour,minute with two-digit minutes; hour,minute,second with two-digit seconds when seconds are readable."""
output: 8,46
